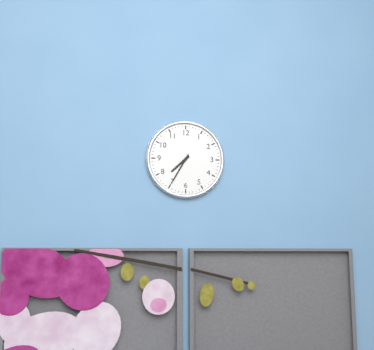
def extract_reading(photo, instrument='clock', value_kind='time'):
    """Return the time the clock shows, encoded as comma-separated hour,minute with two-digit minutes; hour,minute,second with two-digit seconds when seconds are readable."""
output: 7,35
